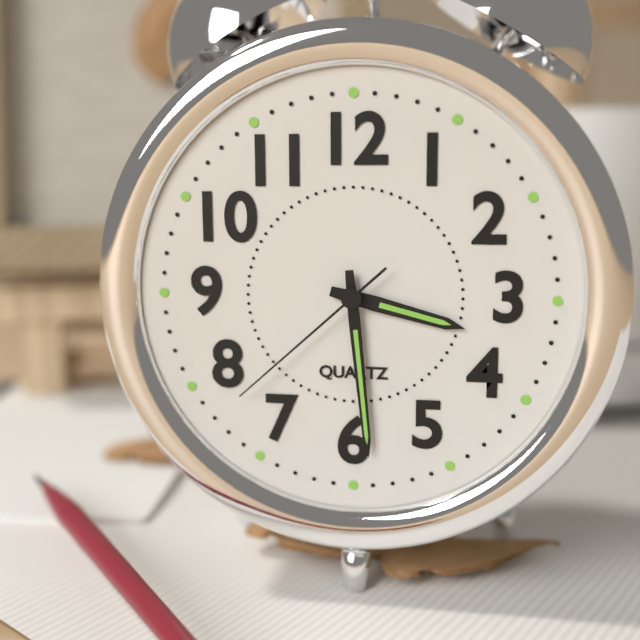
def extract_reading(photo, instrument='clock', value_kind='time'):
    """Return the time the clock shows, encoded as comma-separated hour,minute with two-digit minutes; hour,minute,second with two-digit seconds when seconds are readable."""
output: 3,29,38
